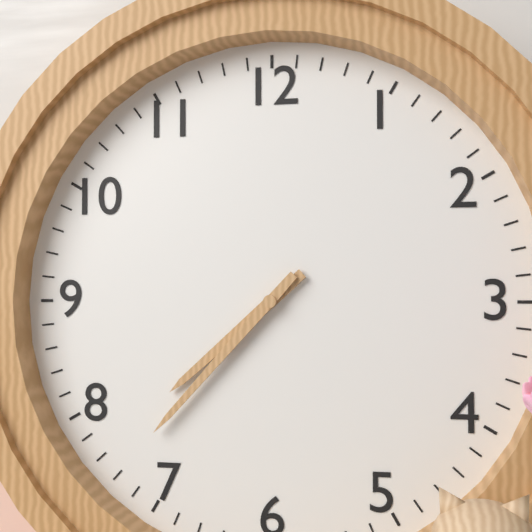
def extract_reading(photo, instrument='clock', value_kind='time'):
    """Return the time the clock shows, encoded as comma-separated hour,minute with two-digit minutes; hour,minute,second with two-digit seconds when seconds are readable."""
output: 7,37
